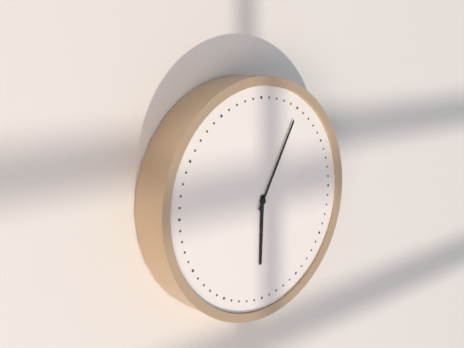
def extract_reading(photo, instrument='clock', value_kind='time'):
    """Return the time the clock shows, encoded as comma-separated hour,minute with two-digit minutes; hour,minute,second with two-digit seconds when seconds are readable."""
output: 6,05
